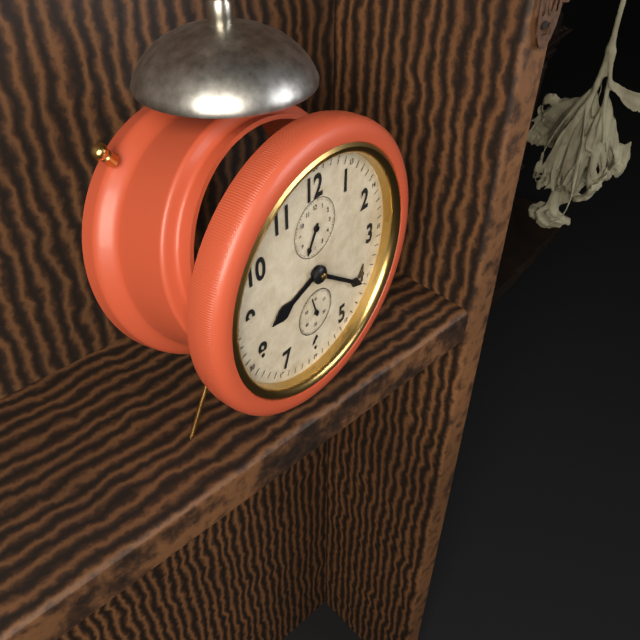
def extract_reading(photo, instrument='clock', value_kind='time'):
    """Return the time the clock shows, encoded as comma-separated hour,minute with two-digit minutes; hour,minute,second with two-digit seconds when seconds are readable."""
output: 8,21
